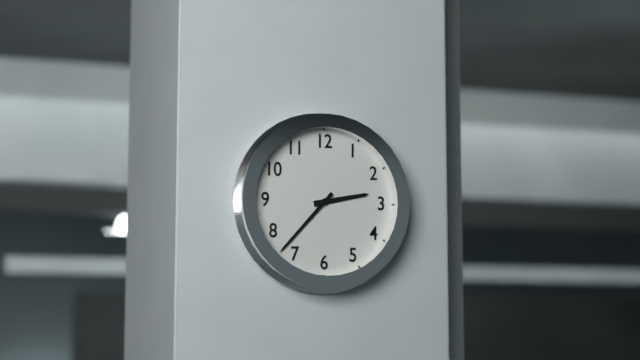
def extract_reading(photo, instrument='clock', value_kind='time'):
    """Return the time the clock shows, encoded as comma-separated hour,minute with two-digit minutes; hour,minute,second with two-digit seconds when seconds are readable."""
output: 2,37
